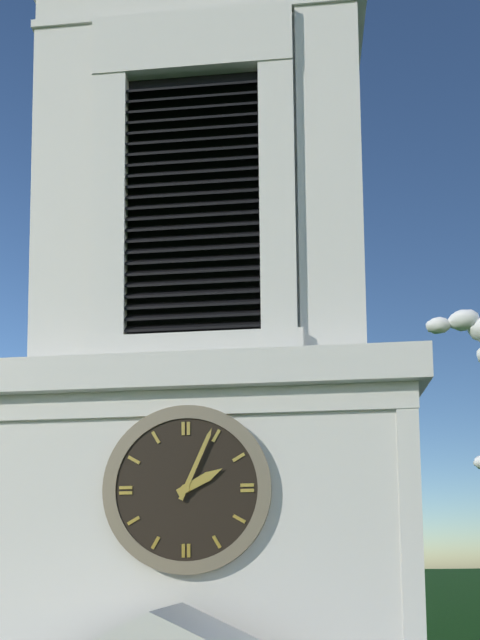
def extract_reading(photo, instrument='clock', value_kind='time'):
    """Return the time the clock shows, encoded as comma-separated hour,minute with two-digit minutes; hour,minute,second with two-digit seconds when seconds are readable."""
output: 2,04
